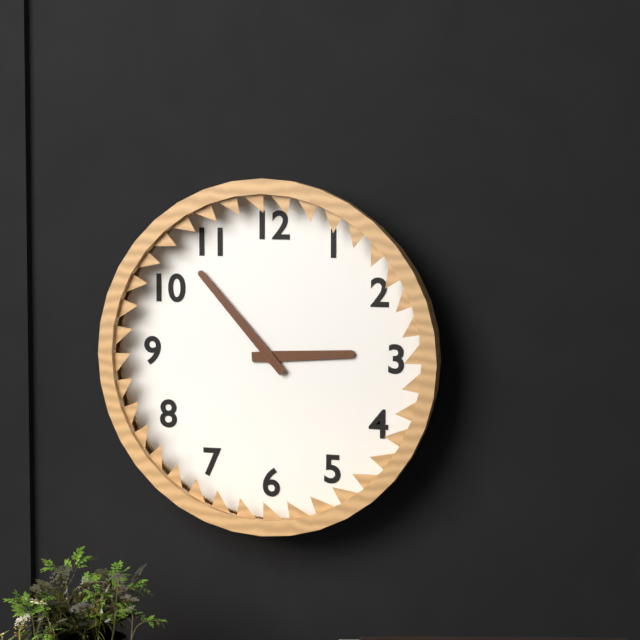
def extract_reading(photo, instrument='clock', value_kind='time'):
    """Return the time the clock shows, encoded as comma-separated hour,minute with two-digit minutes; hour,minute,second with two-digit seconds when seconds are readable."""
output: 2,53
